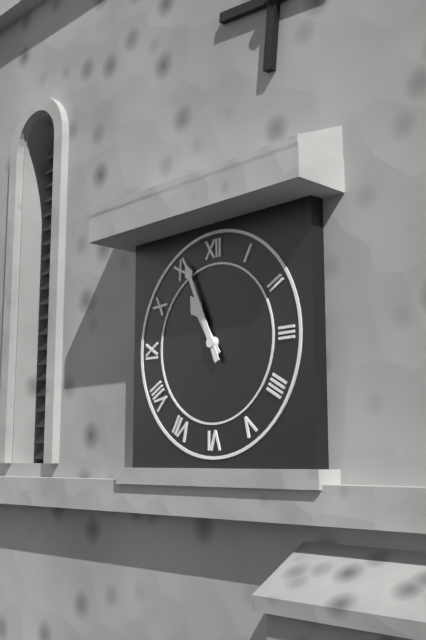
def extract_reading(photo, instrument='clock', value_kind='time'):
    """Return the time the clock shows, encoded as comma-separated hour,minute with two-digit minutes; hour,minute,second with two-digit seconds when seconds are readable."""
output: 10,56
